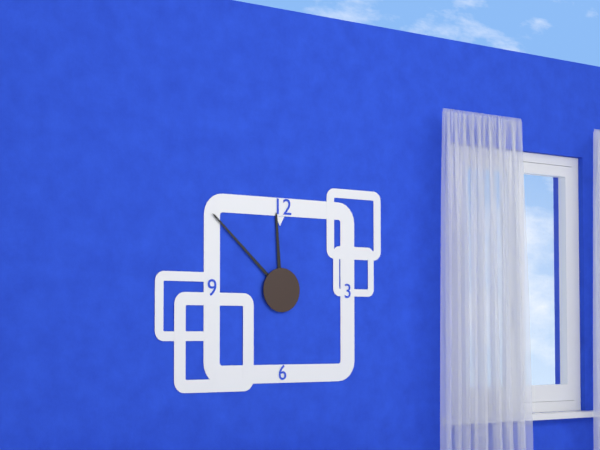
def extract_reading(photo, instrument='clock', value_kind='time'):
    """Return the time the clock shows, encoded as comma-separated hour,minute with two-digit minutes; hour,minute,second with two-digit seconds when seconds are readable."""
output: 11,52
